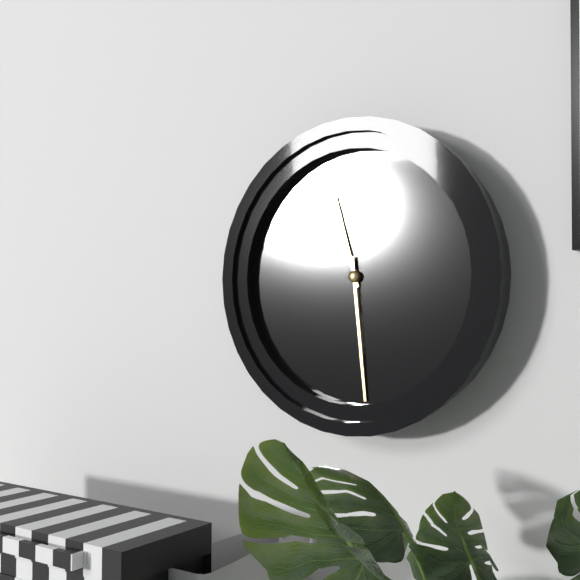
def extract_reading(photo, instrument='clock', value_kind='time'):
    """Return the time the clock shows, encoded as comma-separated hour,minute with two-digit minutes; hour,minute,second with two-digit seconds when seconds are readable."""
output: 11,29
